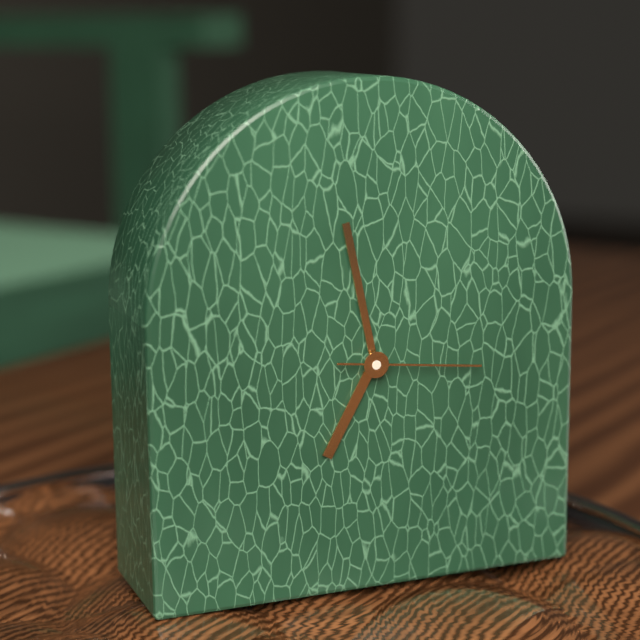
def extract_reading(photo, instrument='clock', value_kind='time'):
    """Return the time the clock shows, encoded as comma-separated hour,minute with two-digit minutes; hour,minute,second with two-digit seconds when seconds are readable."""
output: 6,58,16
